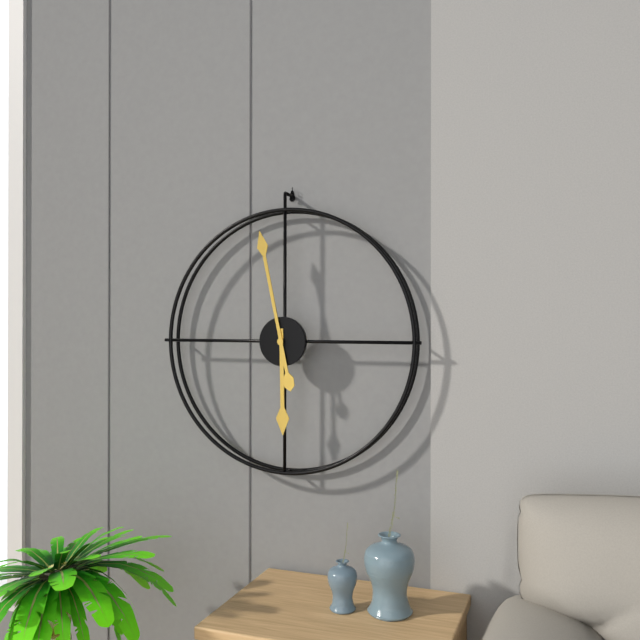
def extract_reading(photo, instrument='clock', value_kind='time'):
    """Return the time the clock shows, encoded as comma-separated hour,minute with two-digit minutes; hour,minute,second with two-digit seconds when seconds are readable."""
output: 5,58
